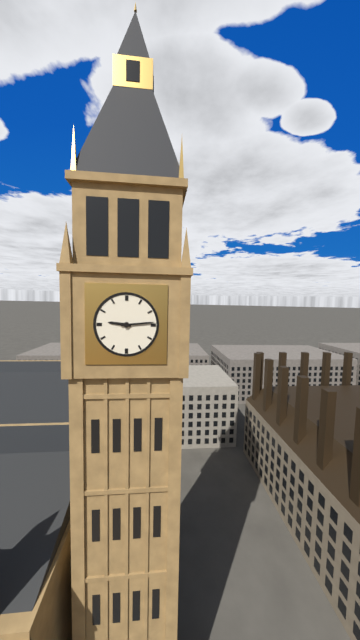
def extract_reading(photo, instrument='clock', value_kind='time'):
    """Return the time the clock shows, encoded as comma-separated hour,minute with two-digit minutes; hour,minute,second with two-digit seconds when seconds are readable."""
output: 9,14
